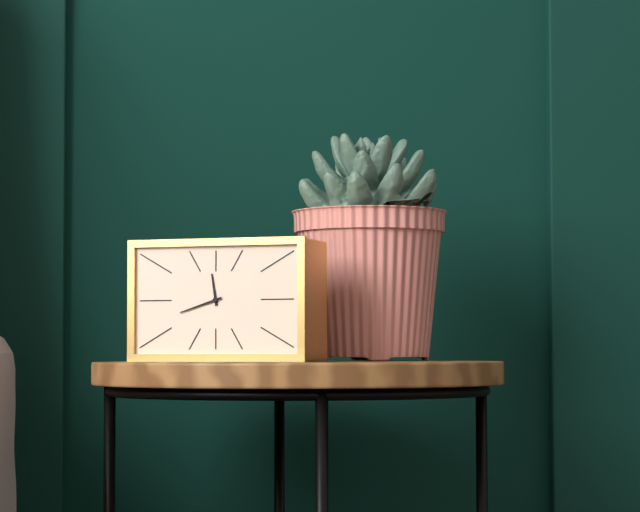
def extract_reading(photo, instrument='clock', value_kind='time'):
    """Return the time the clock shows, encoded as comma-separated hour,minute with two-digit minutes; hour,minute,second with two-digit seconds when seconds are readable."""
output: 11,42
